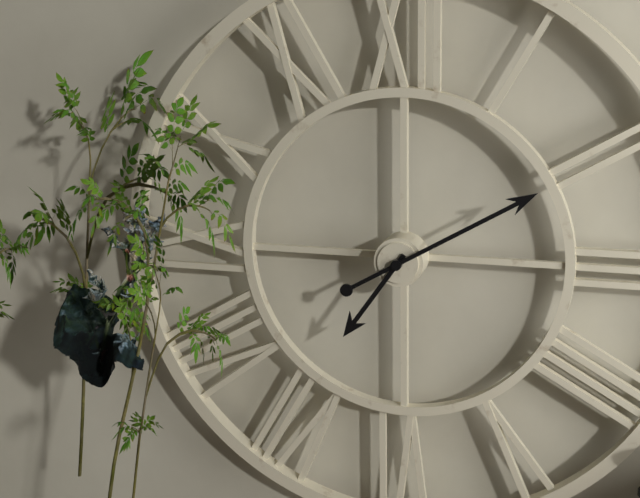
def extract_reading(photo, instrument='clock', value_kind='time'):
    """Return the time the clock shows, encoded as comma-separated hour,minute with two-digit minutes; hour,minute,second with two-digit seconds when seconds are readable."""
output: 7,10
